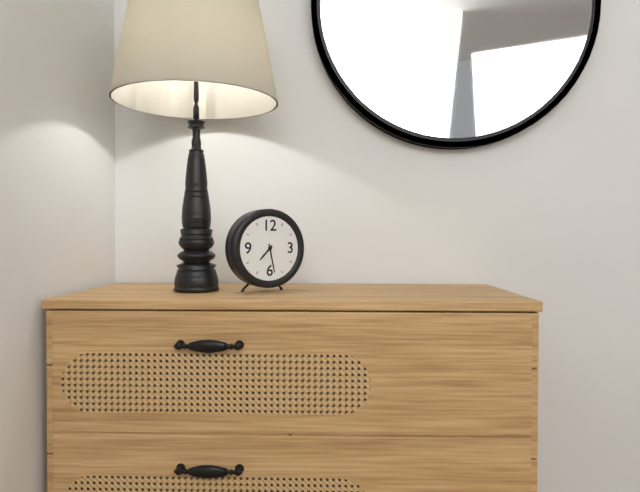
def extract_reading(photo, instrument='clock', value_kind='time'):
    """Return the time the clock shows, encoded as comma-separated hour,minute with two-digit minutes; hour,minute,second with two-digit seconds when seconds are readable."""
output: 7,28
